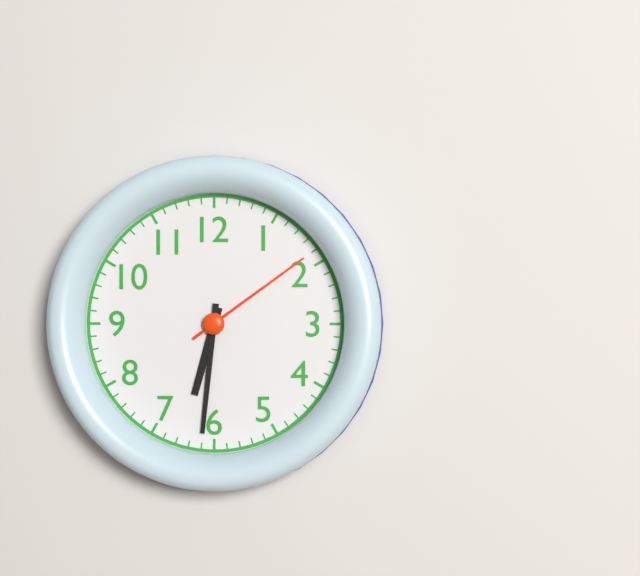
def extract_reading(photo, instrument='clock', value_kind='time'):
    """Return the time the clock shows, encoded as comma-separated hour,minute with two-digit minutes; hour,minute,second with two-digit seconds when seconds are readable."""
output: 6,31,09
